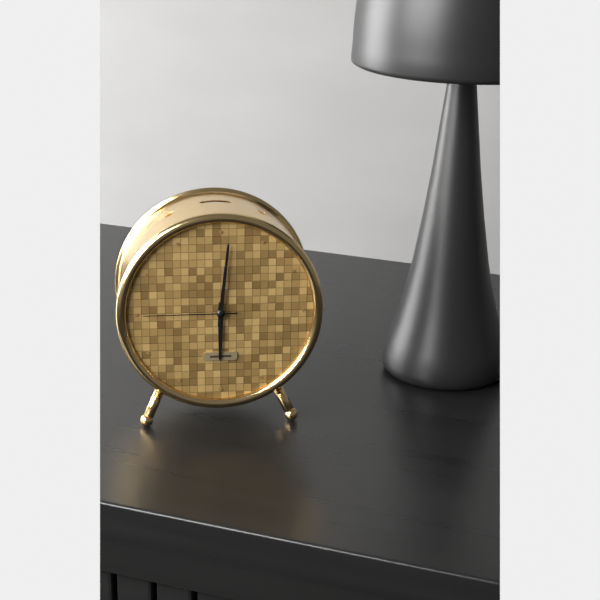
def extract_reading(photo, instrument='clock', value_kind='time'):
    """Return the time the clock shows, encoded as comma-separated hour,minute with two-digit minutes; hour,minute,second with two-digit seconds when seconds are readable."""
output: 6,01,45
